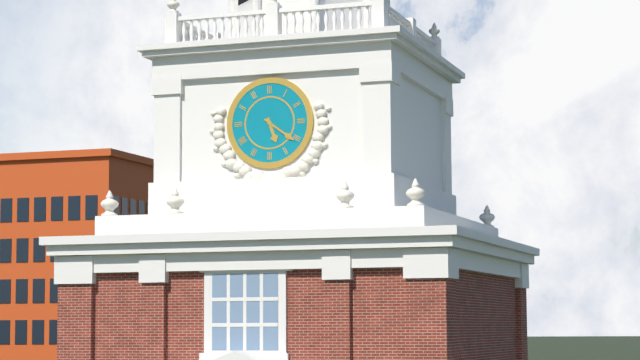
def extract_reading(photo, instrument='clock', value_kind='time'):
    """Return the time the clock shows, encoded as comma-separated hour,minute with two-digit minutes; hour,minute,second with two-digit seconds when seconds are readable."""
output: 5,21
